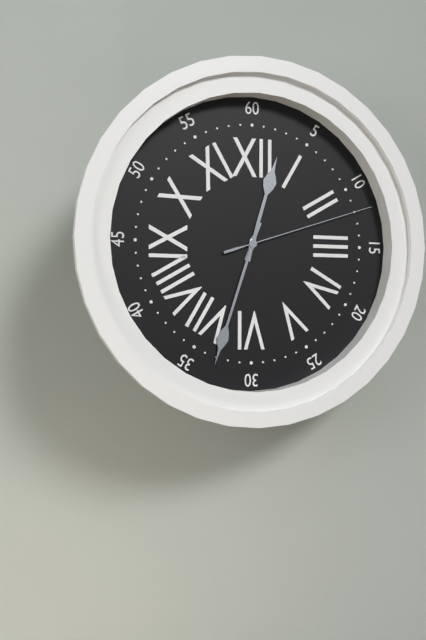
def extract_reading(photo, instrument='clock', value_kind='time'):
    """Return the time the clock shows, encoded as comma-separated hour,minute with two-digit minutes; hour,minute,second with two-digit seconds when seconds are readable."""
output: 12,33,12
